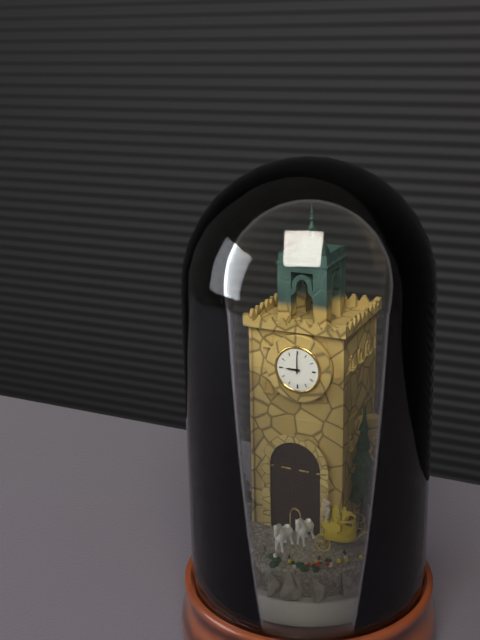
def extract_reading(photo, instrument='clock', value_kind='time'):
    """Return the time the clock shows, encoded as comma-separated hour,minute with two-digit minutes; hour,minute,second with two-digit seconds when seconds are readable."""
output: 9,00
